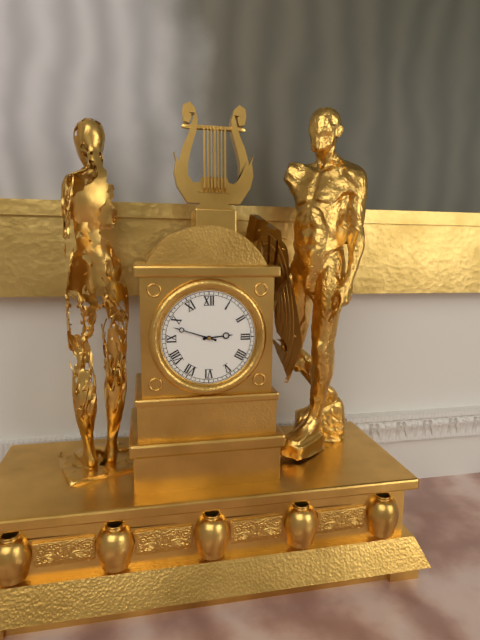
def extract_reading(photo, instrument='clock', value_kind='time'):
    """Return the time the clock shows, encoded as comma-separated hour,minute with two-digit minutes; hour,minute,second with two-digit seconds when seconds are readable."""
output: 2,48
